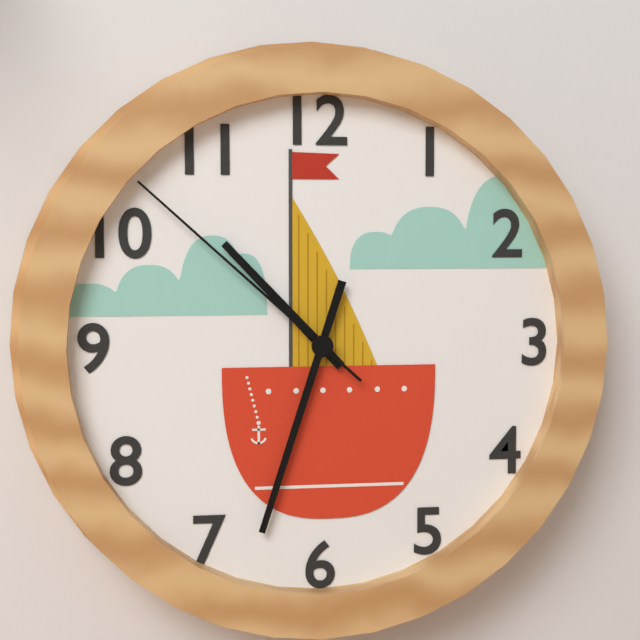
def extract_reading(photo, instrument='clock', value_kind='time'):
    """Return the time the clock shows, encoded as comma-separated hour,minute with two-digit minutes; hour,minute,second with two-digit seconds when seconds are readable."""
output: 10,33,52
